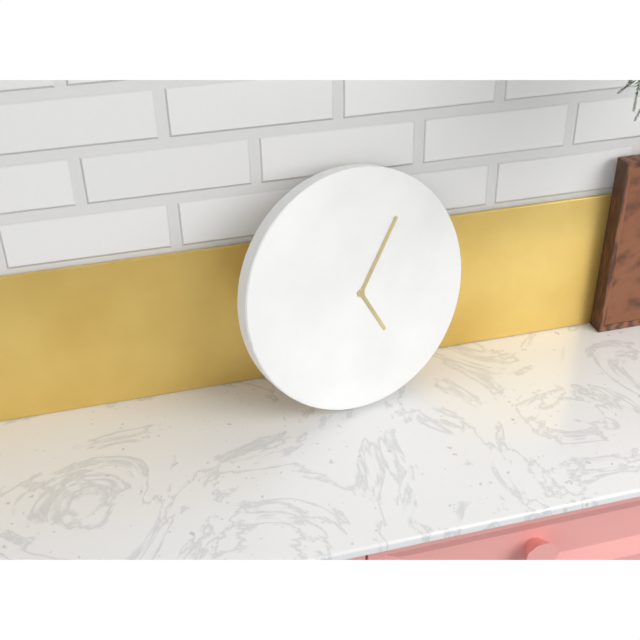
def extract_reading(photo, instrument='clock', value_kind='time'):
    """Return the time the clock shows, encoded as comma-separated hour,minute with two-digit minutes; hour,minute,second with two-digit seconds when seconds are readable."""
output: 5,06
